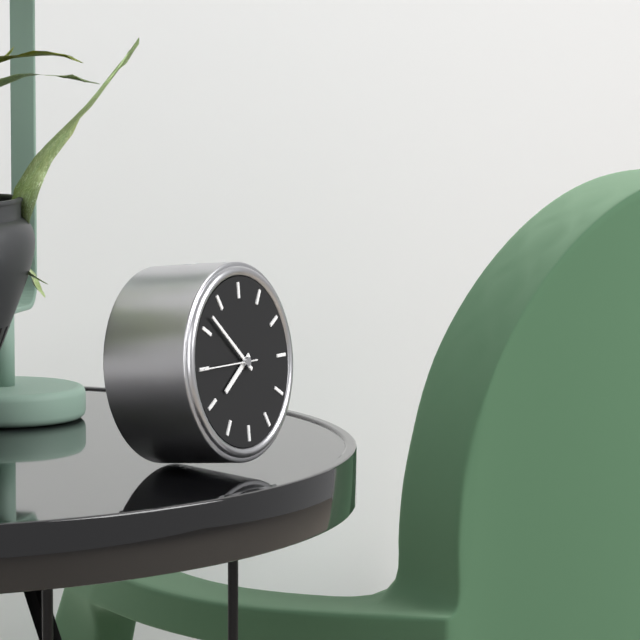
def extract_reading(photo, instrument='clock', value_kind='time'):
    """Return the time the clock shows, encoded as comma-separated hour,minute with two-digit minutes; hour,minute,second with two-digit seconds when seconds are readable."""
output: 7,52,45
